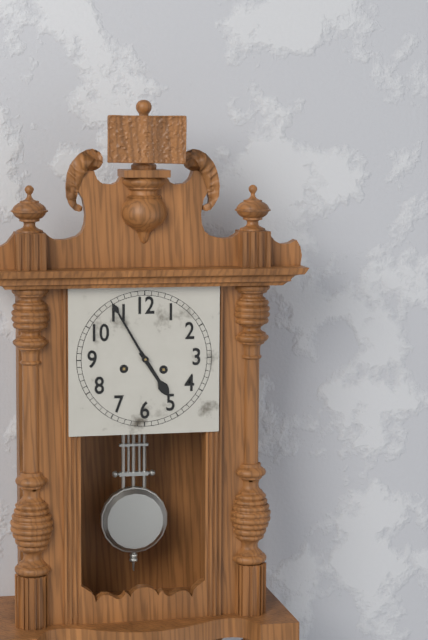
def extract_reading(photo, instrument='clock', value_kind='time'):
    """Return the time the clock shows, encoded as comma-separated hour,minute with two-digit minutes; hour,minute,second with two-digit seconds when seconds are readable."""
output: 4,55
